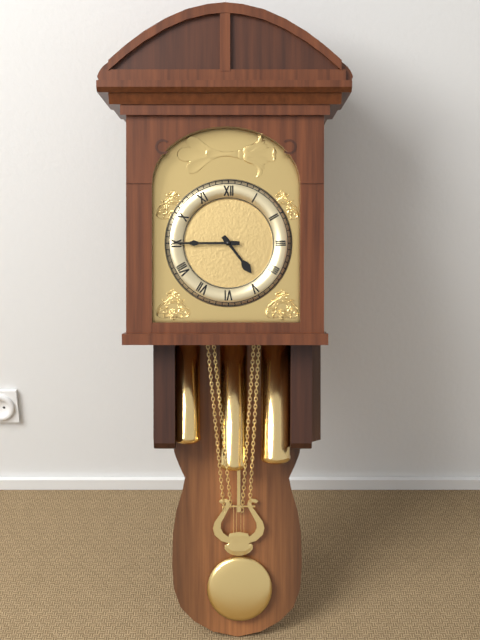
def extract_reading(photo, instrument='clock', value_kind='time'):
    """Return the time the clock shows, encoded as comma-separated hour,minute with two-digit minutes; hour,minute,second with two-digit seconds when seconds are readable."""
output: 4,45
